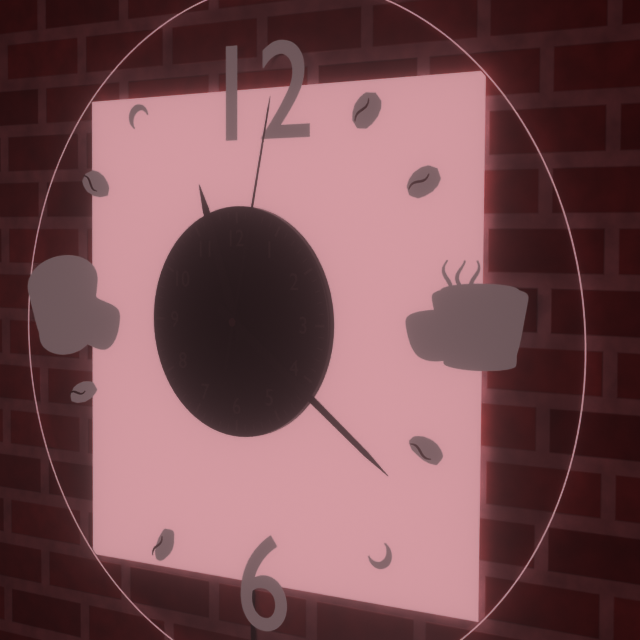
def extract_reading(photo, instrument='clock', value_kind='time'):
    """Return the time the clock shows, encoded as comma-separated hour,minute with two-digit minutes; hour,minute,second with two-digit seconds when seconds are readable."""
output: 11,21,02
